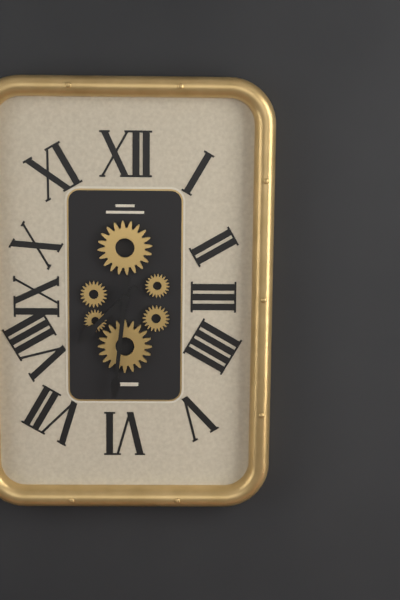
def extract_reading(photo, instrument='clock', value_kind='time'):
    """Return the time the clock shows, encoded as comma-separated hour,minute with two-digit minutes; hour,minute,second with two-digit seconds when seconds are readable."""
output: 7,31
